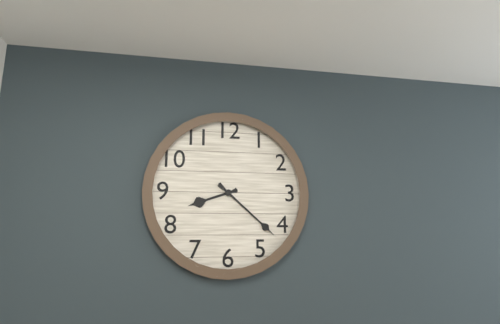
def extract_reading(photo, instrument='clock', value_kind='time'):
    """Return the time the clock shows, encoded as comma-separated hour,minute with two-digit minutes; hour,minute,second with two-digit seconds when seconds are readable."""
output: 8,22
